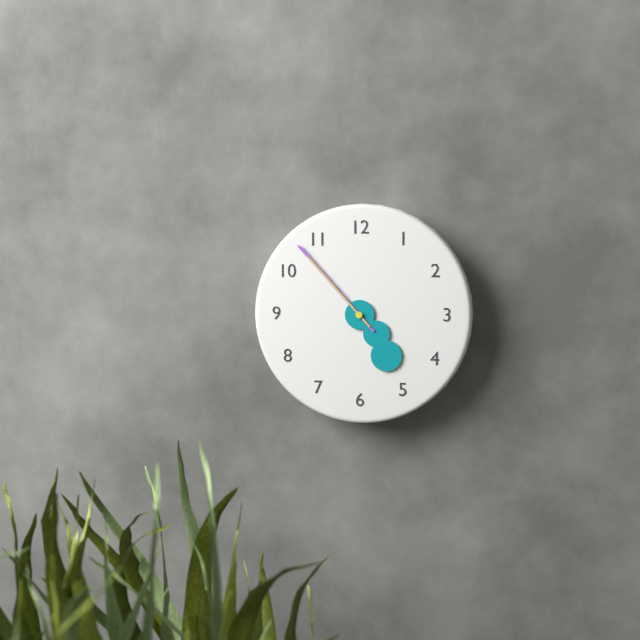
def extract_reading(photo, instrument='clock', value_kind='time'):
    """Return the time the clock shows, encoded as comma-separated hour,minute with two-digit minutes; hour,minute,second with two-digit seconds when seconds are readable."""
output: 4,53,53
